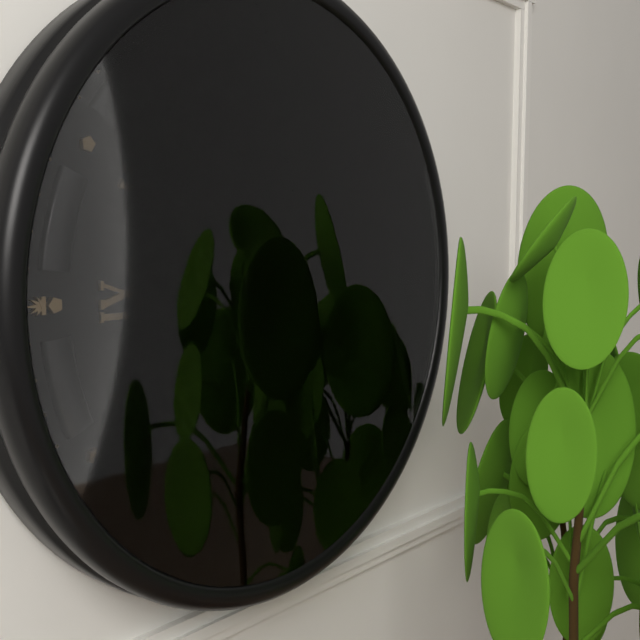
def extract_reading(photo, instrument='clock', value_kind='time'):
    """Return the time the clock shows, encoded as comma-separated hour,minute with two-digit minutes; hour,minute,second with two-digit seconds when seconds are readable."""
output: 8,07
